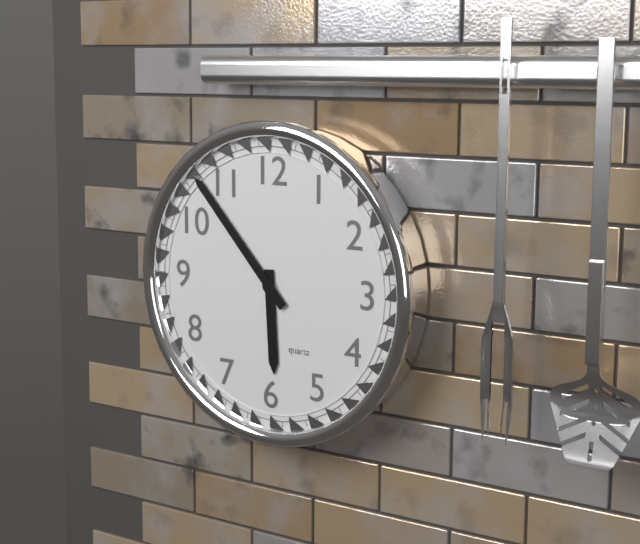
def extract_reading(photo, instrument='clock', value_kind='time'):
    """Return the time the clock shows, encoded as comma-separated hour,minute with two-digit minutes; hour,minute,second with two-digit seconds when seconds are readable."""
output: 5,53
